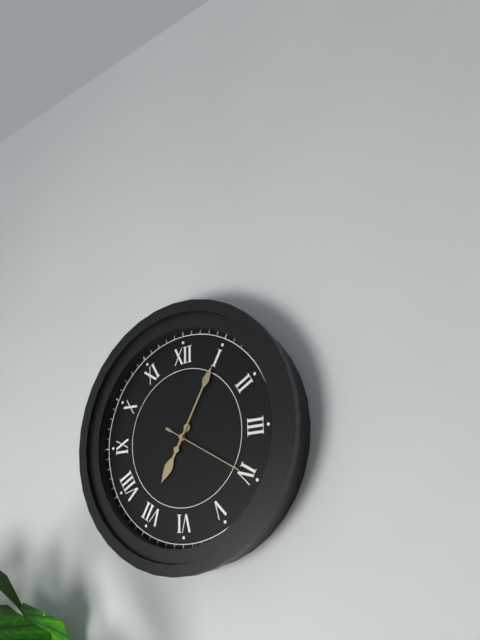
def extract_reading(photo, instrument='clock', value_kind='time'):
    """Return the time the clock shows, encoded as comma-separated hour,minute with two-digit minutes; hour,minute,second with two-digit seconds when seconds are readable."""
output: 7,05,20
